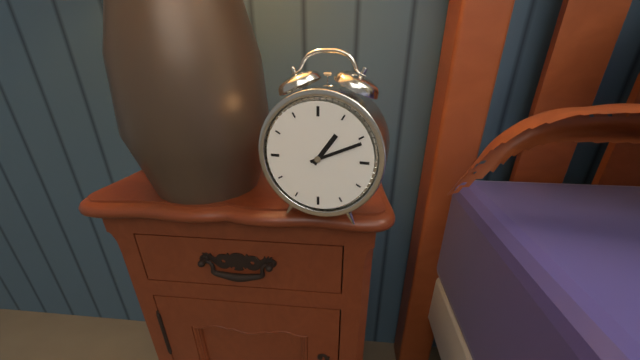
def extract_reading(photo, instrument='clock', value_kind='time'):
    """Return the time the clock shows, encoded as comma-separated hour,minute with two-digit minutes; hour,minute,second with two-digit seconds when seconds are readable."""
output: 1,11
